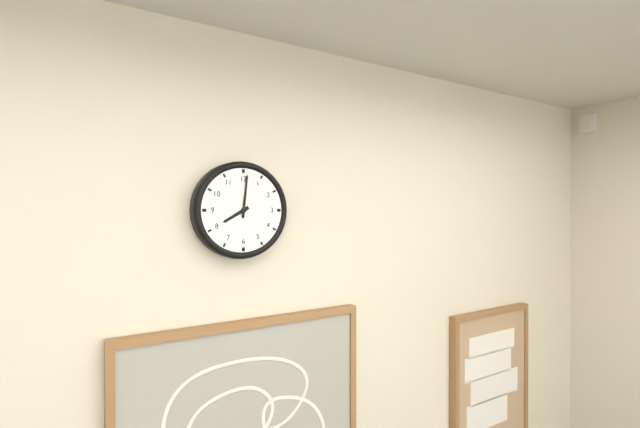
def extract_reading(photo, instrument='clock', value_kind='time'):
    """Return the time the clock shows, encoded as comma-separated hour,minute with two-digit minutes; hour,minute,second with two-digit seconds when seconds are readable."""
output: 8,01
